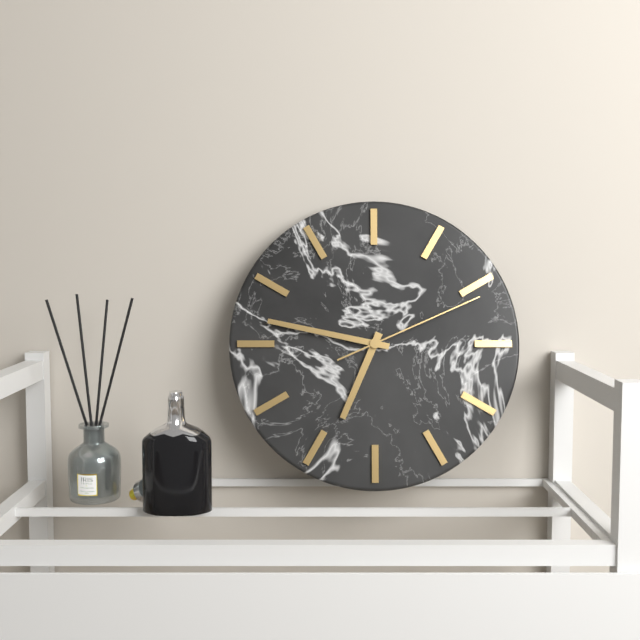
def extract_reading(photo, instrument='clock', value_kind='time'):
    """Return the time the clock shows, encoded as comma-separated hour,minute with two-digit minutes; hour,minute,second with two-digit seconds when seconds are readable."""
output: 6,47,11
